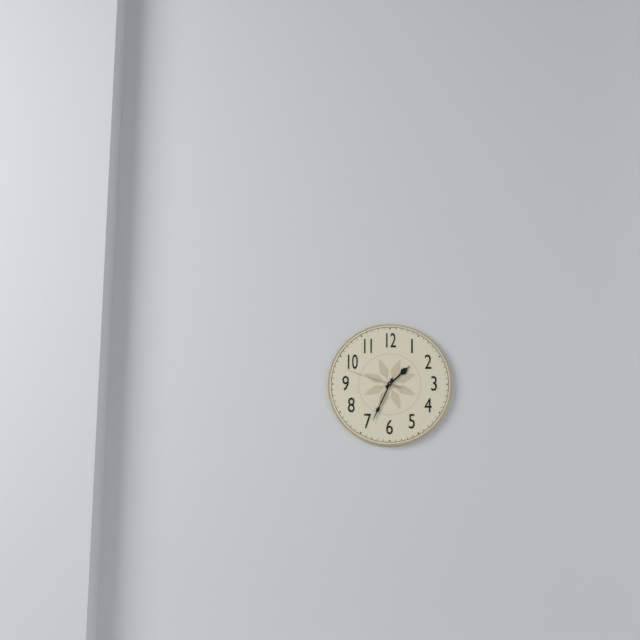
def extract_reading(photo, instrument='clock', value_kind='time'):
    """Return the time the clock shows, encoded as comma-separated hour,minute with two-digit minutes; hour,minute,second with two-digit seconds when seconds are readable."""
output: 1,34,48
